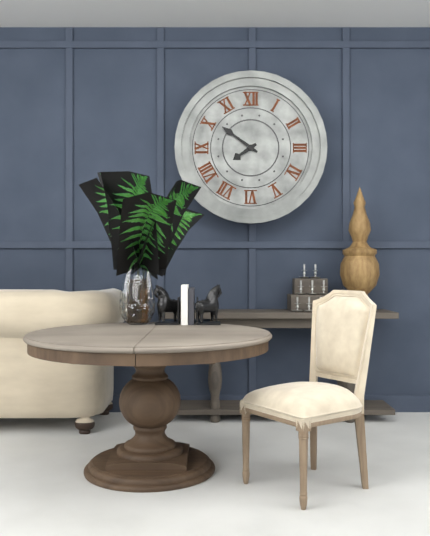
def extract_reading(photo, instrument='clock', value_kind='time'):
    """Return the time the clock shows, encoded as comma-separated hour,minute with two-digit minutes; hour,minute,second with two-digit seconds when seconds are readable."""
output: 7,51
